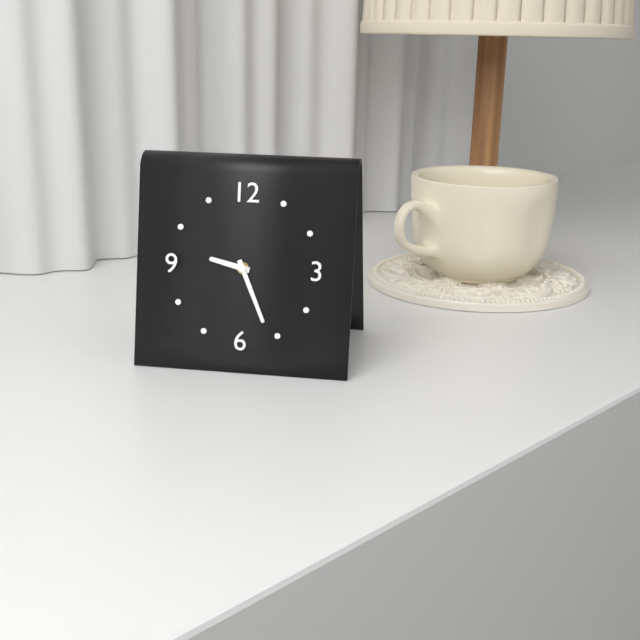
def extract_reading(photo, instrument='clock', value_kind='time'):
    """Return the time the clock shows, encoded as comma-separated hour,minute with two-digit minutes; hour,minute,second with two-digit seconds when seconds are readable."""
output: 9,26
